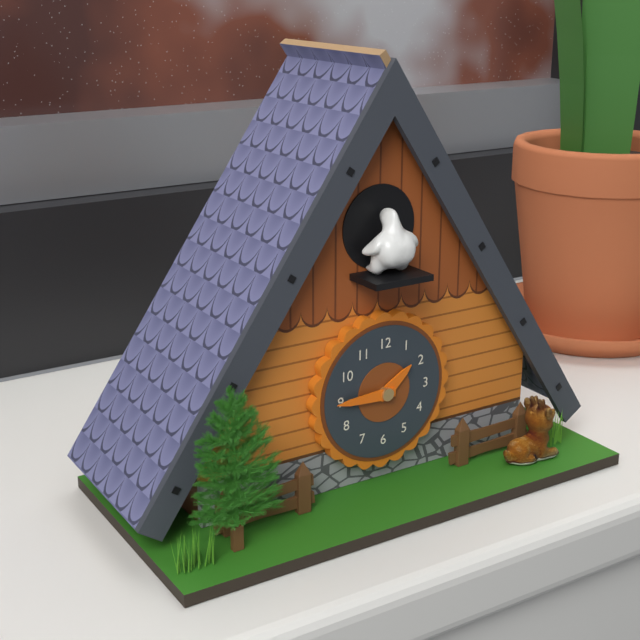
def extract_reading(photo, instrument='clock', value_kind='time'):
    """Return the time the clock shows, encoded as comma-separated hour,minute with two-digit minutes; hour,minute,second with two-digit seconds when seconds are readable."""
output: 1,45
